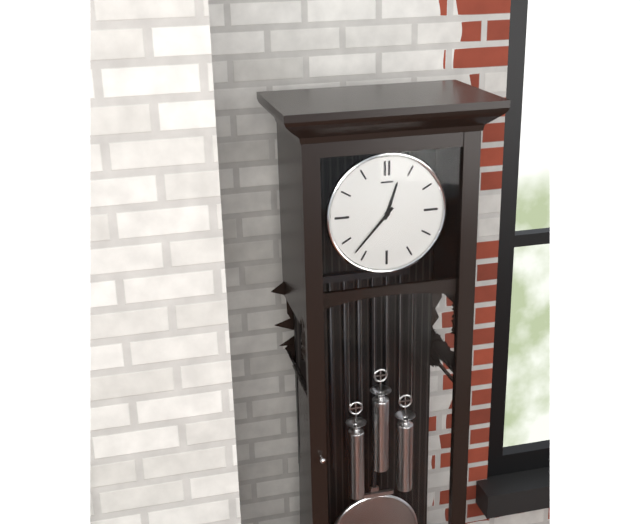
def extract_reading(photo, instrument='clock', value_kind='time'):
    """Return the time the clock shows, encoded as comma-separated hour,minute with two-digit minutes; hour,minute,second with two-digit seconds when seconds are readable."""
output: 12,37
